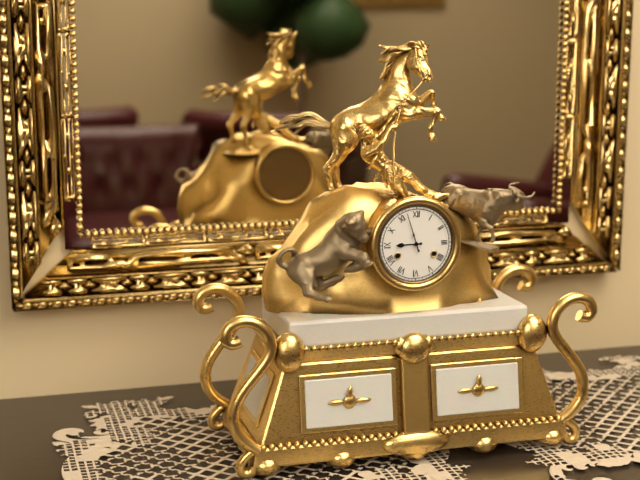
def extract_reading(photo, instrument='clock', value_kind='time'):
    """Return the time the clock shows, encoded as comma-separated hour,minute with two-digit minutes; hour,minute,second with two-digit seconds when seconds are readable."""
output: 8,57
